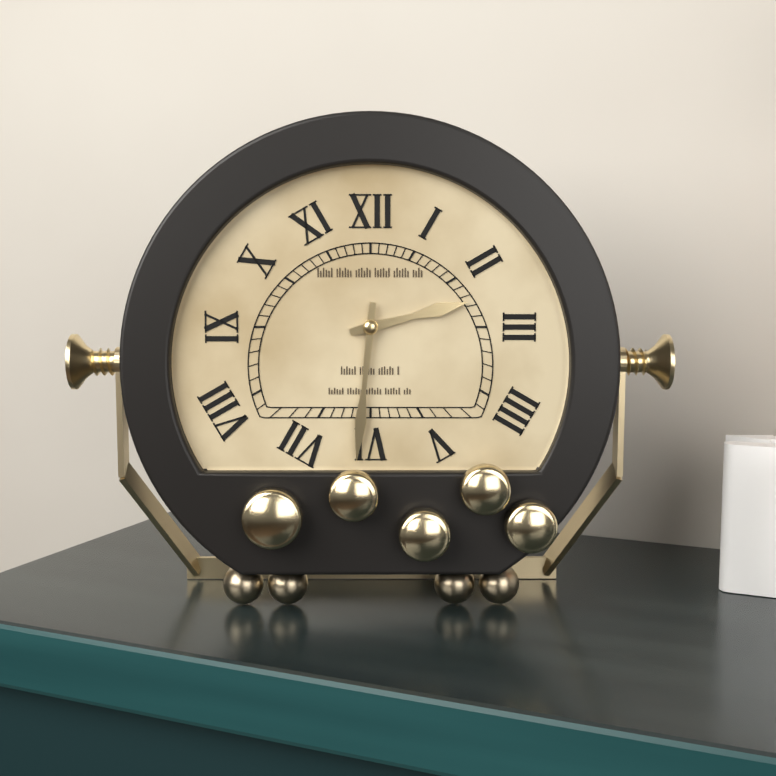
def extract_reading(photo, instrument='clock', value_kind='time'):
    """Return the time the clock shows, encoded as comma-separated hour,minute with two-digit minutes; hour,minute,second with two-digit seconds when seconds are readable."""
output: 2,31
